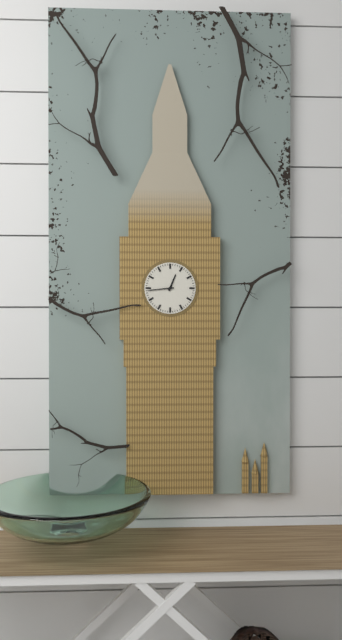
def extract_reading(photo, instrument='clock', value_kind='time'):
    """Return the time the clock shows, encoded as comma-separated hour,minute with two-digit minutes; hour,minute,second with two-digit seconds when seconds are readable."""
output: 12,44
